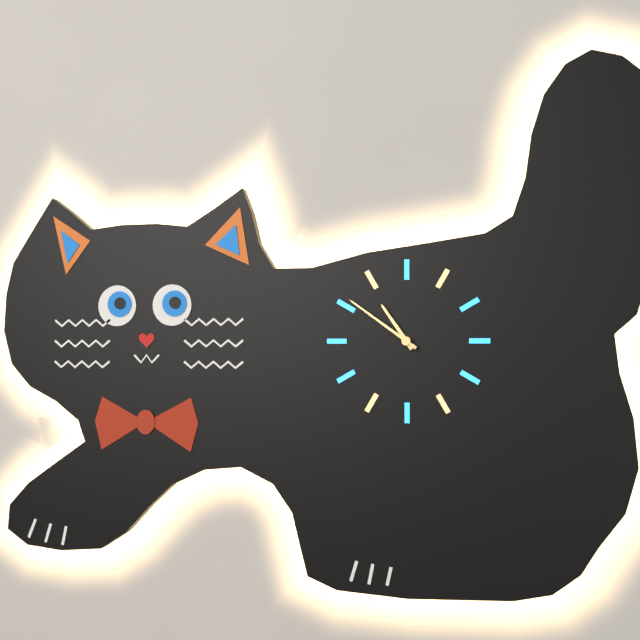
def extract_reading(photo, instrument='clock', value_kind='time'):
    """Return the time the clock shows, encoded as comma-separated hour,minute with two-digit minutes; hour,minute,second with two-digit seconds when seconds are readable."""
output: 10,51
